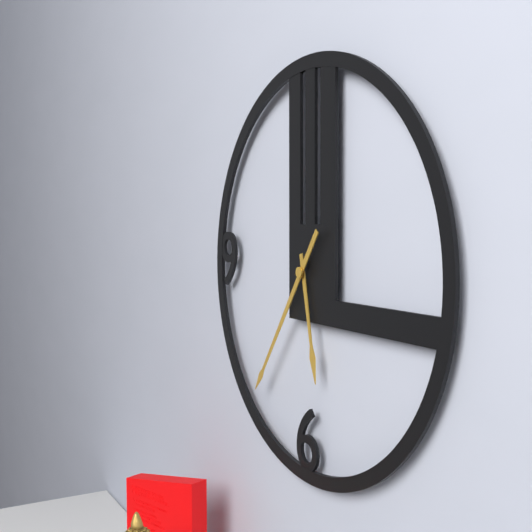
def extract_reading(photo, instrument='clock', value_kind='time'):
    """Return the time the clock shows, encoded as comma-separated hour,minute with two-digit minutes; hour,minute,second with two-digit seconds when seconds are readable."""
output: 5,36
